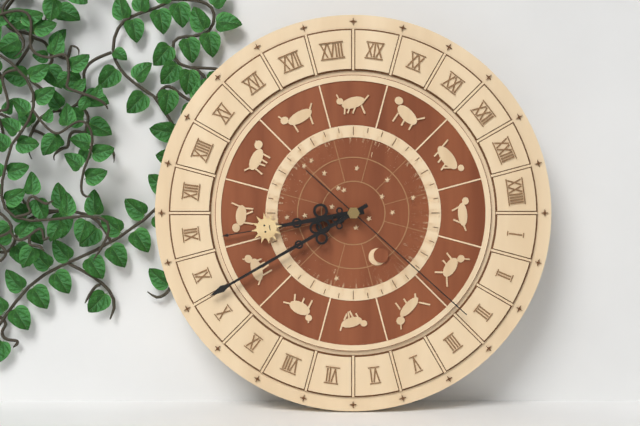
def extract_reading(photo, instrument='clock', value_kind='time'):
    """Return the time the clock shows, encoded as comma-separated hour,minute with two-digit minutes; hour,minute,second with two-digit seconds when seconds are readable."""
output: 8,40,22
